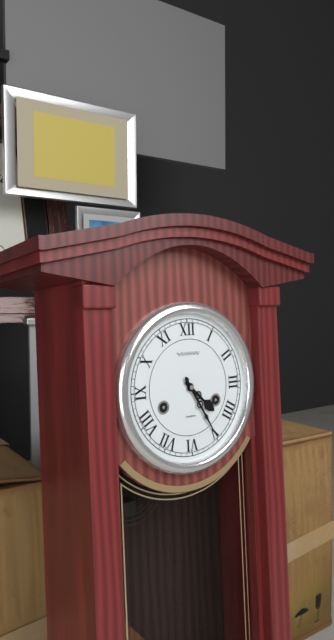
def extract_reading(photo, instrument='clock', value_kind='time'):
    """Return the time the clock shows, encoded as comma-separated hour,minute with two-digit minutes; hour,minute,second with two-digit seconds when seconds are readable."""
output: 4,25
